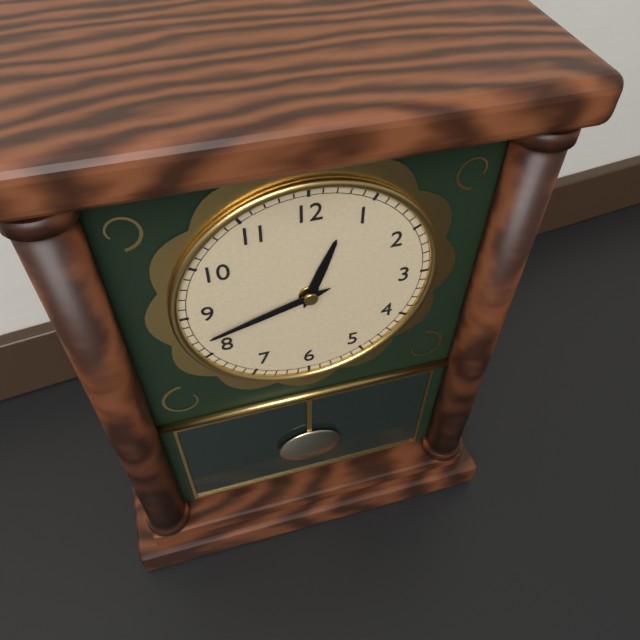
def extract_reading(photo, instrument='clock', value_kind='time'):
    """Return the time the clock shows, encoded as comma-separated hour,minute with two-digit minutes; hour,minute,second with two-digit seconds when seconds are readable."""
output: 12,42
